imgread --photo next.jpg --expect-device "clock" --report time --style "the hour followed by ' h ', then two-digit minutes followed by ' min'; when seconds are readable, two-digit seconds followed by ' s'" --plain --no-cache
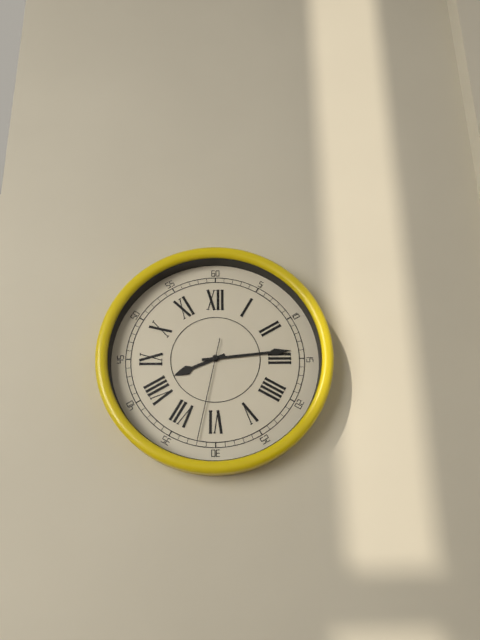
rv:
8 h 14 min 32 s
